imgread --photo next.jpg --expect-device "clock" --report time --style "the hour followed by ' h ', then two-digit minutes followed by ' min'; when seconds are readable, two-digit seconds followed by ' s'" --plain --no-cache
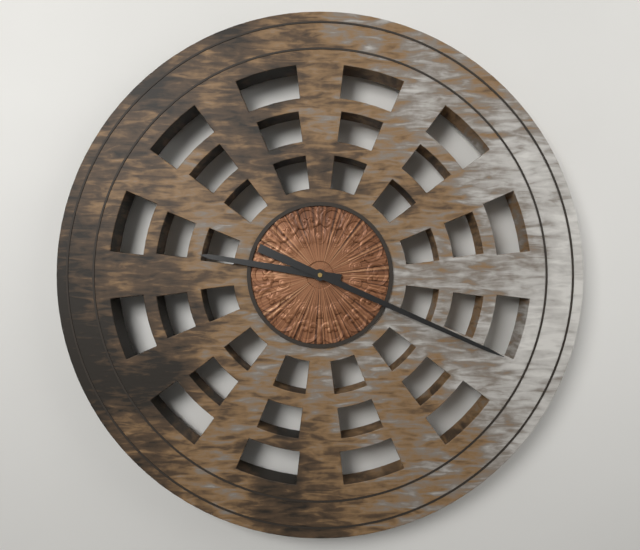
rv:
9 h 19 min
